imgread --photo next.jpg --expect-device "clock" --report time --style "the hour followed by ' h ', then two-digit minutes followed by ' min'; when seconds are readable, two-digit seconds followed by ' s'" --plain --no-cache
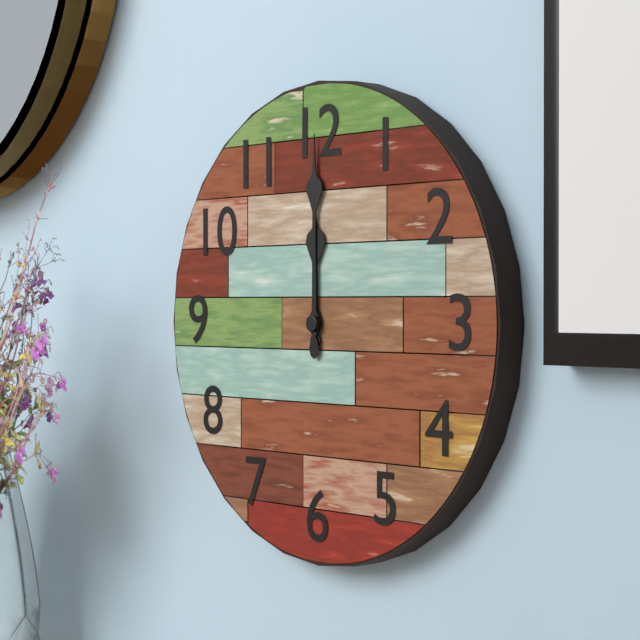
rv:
12 h 00 min
